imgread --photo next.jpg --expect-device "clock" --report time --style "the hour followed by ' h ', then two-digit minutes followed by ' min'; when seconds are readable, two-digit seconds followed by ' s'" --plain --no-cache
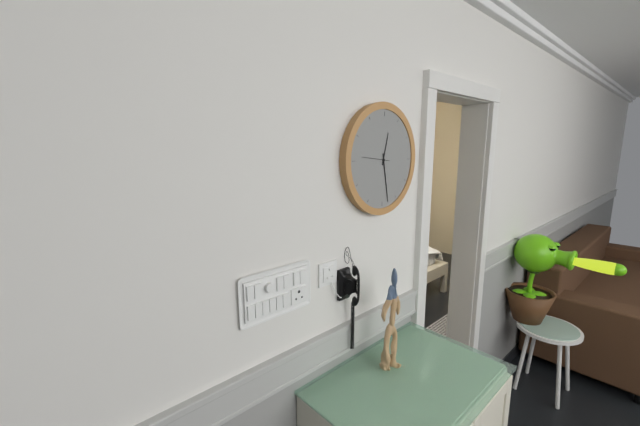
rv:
12 h 28 min
